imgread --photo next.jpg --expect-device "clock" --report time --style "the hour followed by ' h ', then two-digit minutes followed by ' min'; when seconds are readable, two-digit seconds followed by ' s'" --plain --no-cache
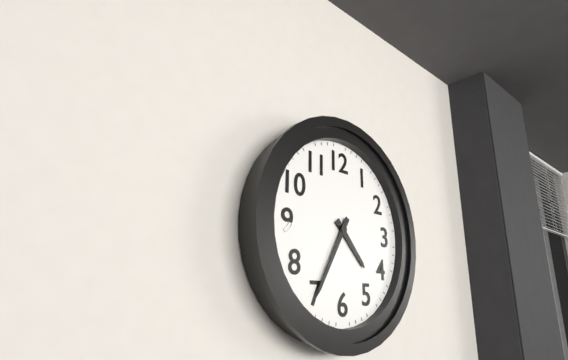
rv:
4 h 35 min
